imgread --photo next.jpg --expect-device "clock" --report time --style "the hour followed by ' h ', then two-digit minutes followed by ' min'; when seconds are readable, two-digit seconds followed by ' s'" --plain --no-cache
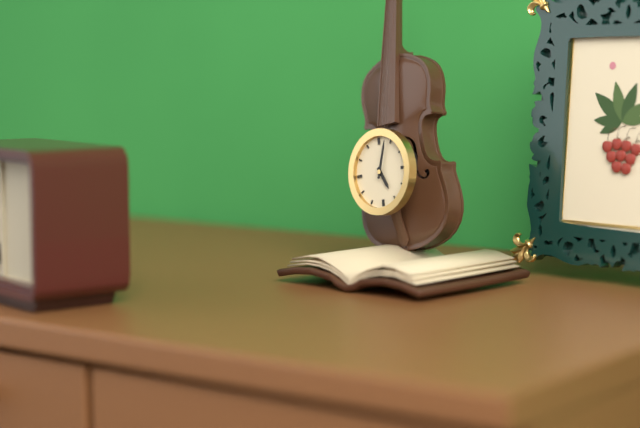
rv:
5 h 03 min
